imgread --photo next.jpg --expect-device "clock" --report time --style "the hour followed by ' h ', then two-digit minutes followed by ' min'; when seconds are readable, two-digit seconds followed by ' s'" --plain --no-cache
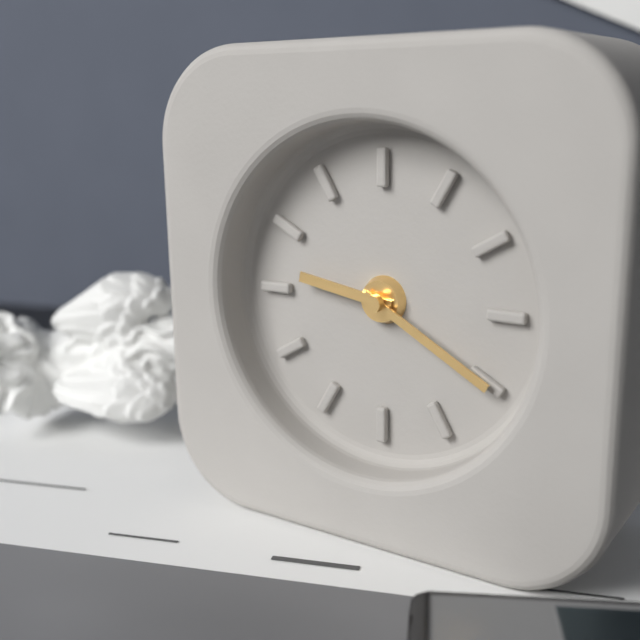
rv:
9 h 20 min
